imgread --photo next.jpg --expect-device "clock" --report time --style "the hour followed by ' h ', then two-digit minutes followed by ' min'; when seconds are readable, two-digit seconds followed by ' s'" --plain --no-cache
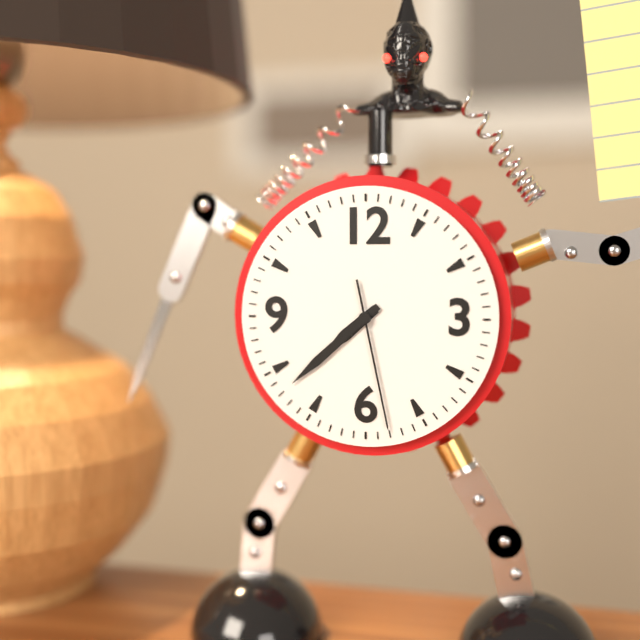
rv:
7 h 38 min 28 s
